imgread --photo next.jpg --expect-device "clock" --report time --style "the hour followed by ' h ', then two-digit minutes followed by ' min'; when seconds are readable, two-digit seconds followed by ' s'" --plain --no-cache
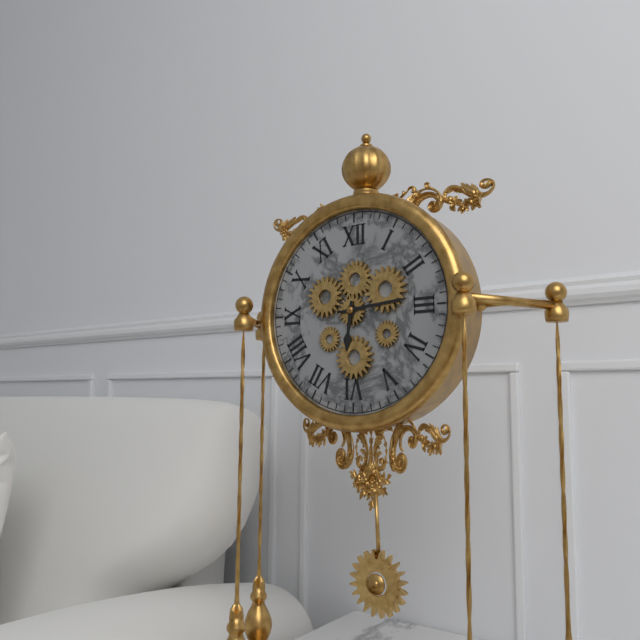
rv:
6 h 14 min
